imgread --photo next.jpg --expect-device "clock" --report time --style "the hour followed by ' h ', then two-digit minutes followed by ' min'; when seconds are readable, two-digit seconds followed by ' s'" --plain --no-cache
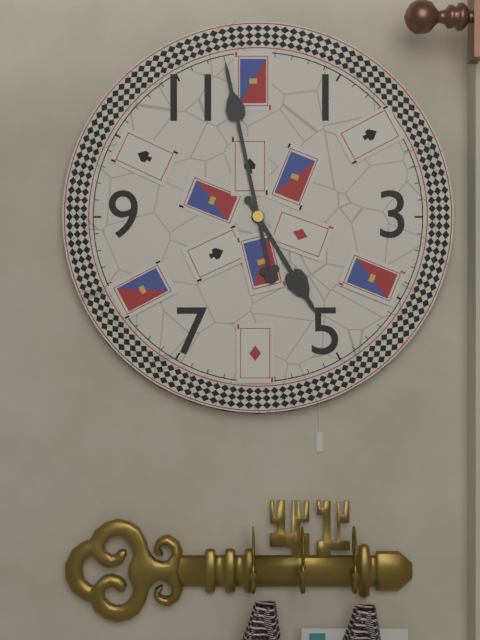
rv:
4 h 58 min
